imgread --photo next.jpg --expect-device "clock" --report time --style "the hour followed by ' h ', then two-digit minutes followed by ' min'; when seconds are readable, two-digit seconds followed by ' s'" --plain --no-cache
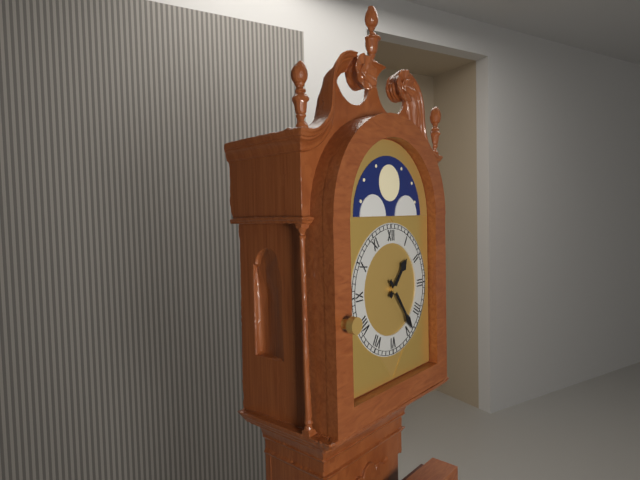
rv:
1 h 24 min
